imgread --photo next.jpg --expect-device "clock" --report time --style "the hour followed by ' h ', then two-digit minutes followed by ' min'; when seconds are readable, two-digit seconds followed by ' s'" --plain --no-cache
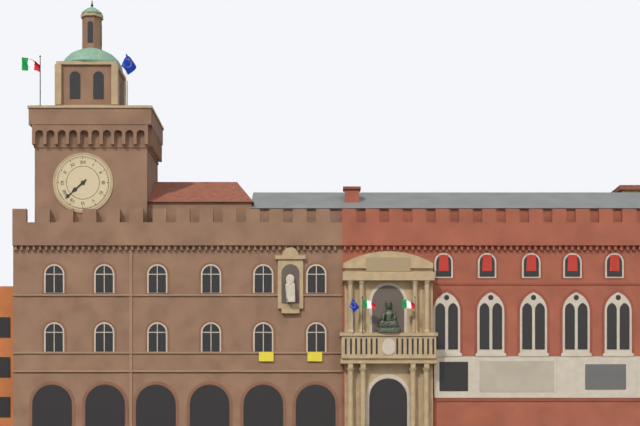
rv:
7 h 38 min
